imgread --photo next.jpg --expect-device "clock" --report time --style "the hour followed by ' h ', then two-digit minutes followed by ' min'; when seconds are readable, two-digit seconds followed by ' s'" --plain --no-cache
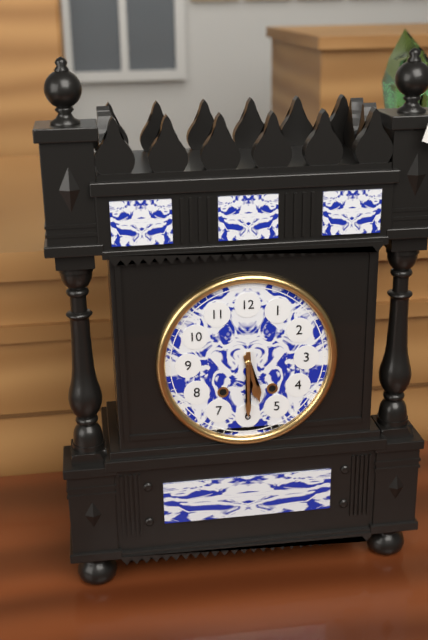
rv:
5 h 30 min
